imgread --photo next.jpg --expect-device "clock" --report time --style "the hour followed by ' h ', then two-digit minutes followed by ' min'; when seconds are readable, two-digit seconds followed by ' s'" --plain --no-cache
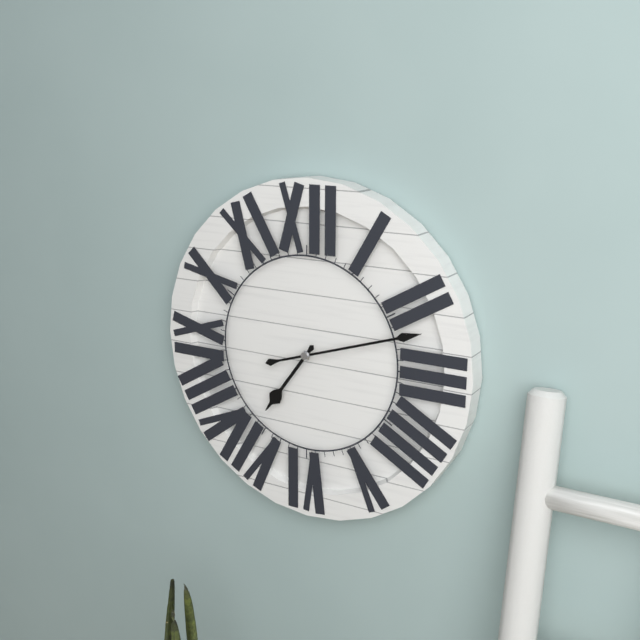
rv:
7 h 12 min
